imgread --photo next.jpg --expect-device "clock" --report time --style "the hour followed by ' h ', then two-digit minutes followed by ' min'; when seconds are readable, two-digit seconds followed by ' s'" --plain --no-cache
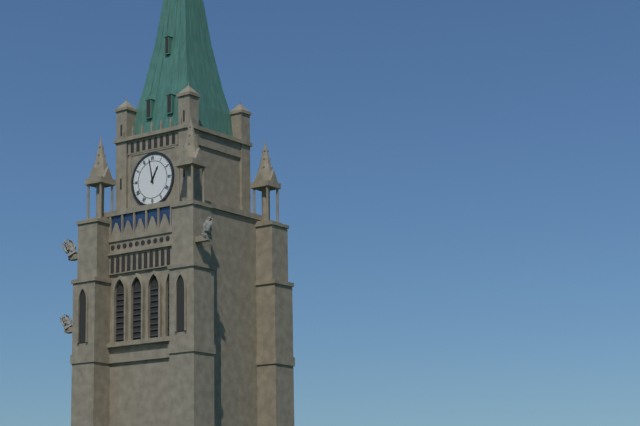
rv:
12 h 58 min
